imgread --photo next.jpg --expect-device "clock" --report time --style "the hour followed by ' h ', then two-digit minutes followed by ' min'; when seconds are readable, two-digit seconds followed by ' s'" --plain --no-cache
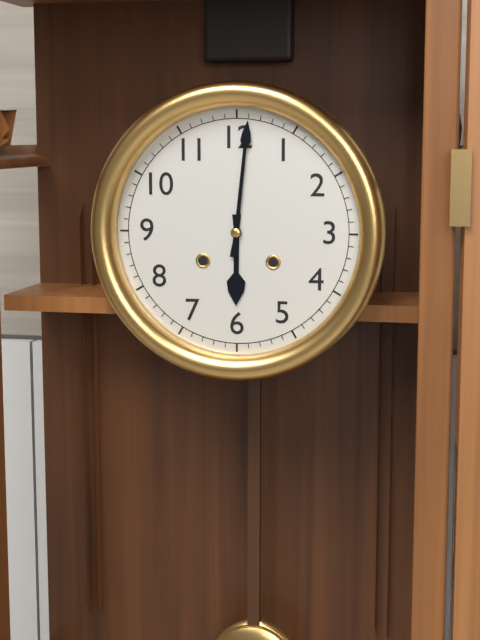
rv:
6 h 01 min
